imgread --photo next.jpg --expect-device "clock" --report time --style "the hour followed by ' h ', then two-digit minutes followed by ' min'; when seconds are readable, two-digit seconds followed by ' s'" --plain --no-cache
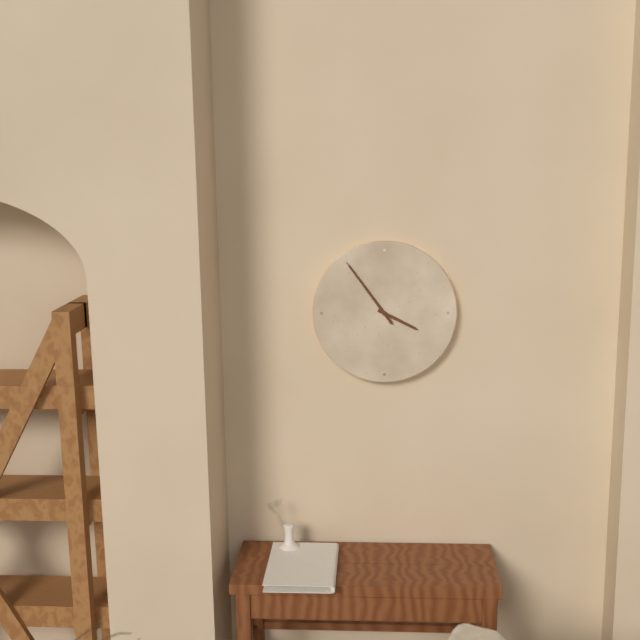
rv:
3 h 54 min 54 s
